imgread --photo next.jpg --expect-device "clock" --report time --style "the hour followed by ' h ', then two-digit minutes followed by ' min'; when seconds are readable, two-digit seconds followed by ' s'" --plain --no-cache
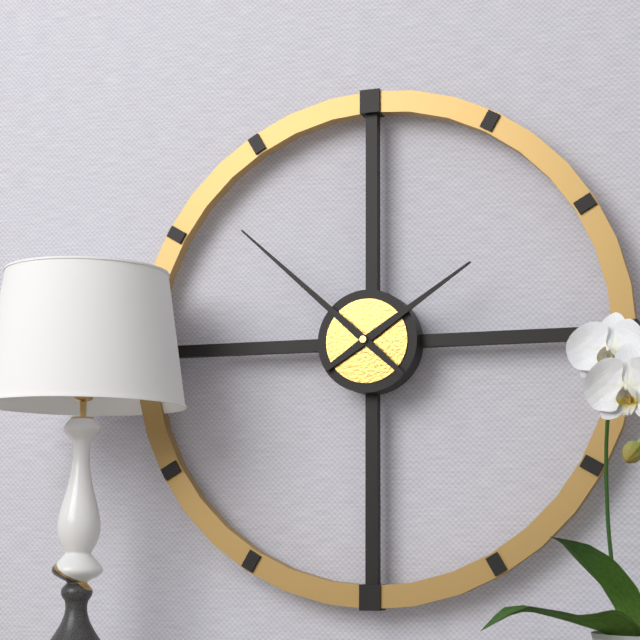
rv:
1 h 52 min
